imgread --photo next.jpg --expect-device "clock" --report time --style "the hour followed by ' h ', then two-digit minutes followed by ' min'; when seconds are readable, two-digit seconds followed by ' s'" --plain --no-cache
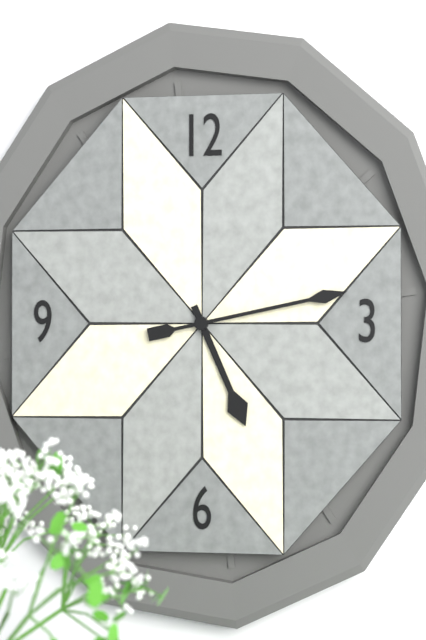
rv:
5 h 13 min
